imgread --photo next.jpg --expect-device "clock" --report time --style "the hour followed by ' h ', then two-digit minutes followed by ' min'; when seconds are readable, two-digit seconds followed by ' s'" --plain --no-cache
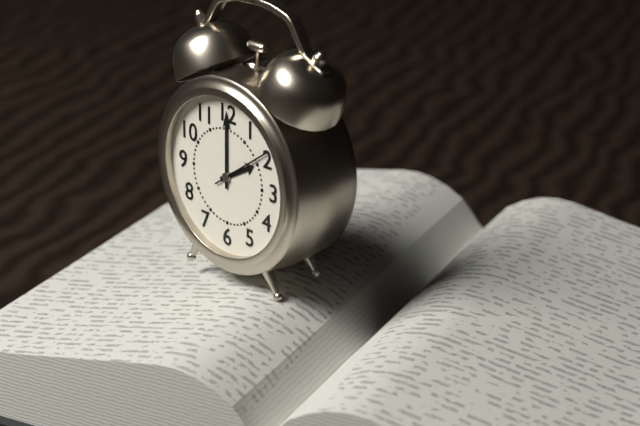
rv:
2 h 00 min 09 s
